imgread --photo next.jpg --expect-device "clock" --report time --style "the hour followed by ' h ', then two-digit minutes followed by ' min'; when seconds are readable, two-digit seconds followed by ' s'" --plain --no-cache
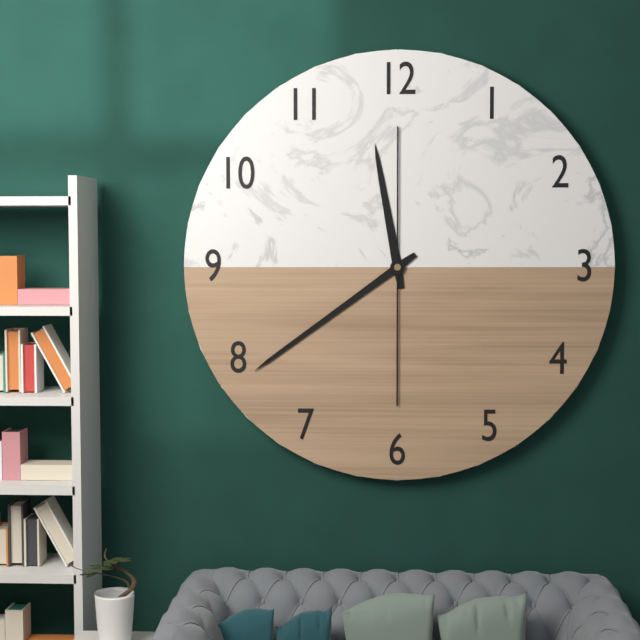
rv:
11 h 39 min
